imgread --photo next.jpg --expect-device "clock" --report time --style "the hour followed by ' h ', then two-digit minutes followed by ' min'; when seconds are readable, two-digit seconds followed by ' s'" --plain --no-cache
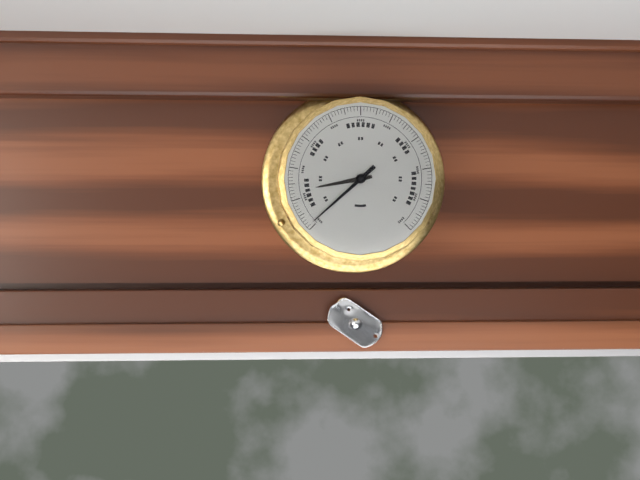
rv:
8 h 38 min
